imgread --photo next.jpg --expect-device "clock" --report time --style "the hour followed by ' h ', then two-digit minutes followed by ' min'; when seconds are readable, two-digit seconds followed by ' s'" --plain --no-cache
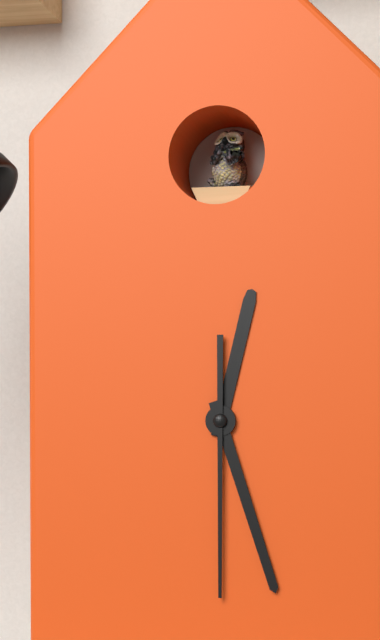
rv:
12 h 27 min 30 s
